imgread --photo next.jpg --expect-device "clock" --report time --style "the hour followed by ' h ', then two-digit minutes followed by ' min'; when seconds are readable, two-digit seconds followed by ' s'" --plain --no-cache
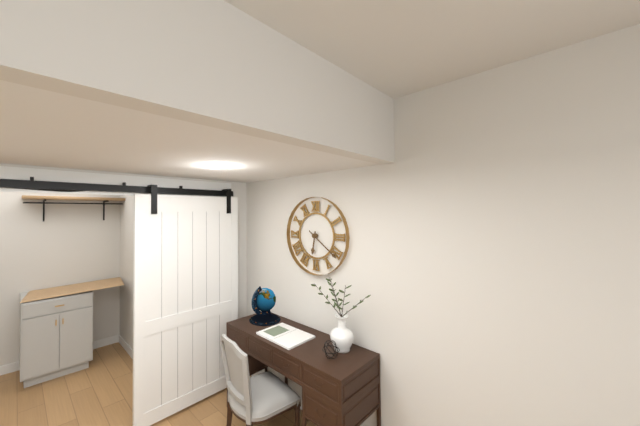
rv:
6 h 21 min
